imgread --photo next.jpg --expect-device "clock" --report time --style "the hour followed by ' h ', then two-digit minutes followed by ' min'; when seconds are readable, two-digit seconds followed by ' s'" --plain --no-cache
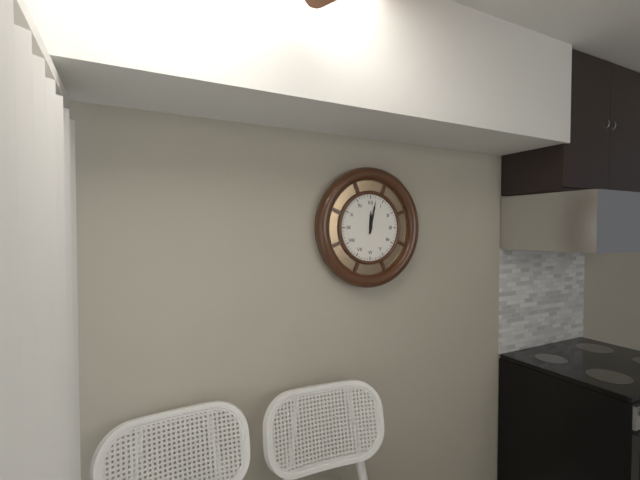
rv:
12 h 02 min
